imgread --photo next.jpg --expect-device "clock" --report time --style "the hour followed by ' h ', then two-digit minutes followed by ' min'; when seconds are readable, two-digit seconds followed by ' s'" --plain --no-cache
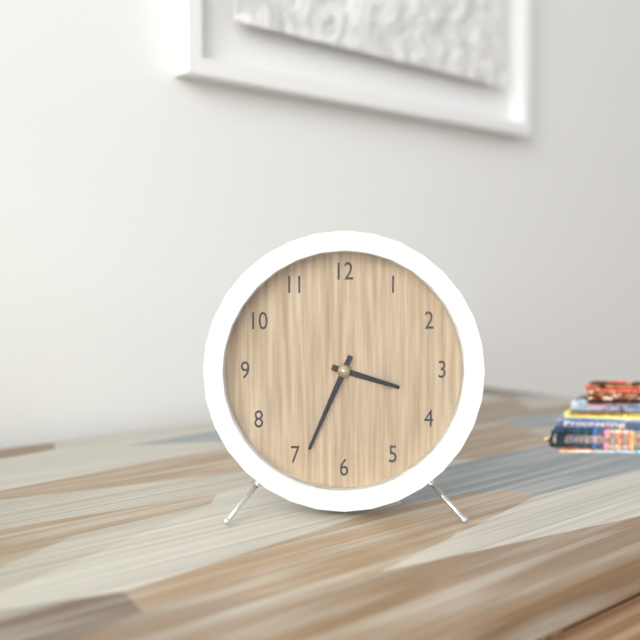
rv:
3 h 34 min
